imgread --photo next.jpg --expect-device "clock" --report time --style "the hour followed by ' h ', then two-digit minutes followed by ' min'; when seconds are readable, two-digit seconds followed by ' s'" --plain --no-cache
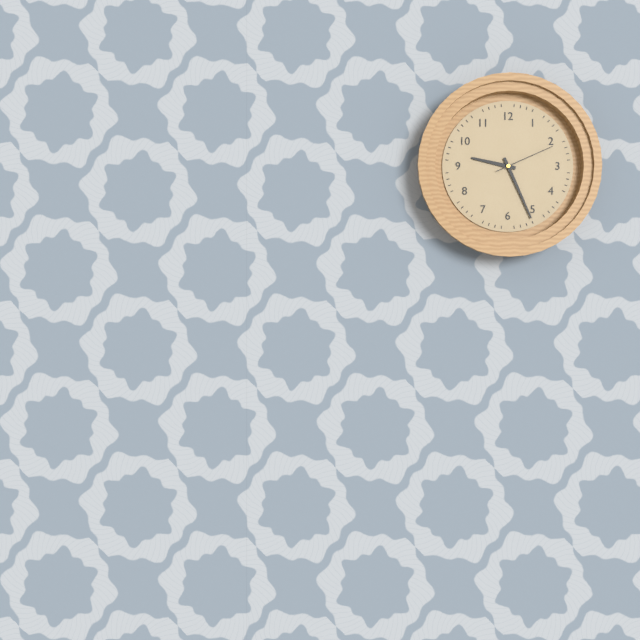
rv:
9 h 26 min 11 s
